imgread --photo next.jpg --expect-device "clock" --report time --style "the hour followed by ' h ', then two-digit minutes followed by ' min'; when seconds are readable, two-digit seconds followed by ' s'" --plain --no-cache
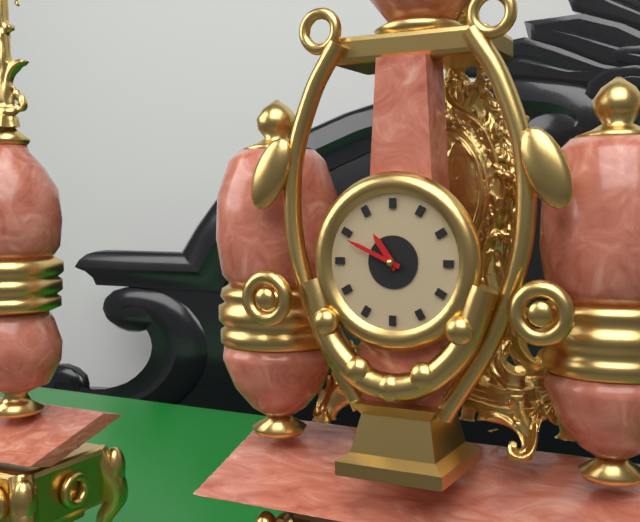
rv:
10 h 49 min
